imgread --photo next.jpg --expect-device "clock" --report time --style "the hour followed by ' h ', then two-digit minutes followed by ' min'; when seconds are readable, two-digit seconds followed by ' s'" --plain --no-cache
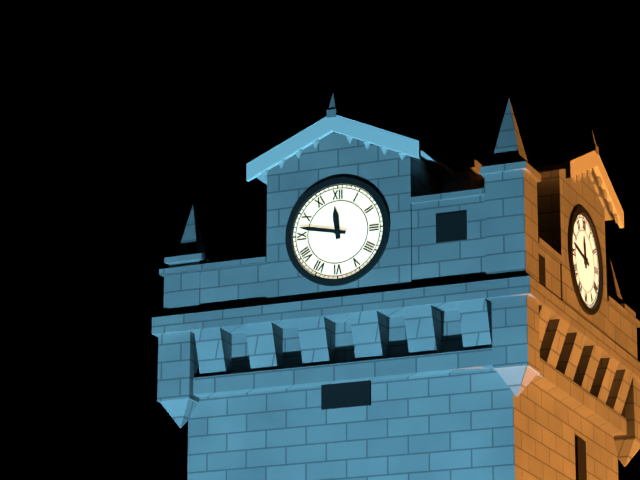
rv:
11 h 47 min
